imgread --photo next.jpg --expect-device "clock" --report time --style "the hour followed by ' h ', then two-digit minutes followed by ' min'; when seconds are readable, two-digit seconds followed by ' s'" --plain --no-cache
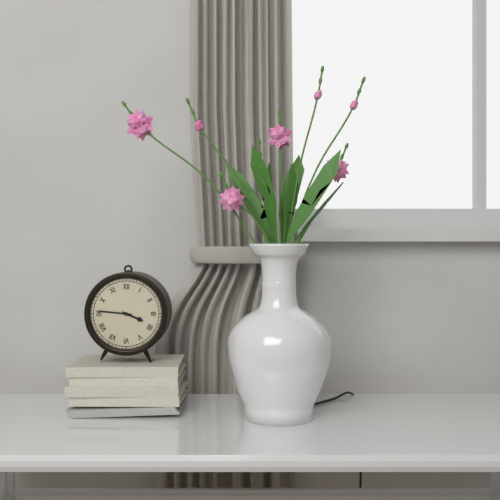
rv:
3 h 46 min
